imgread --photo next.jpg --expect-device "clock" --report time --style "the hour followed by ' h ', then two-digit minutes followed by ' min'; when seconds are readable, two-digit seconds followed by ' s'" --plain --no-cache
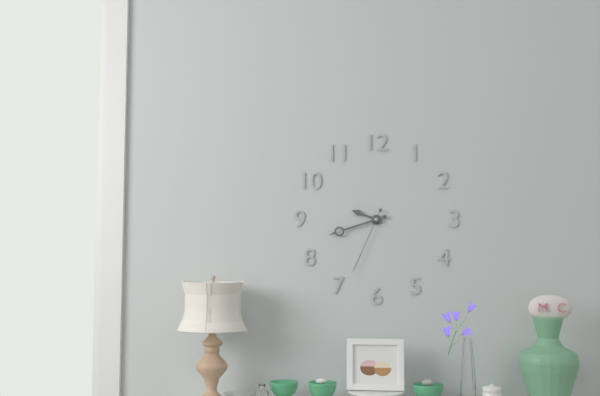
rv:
9 h 42 min 34 s
